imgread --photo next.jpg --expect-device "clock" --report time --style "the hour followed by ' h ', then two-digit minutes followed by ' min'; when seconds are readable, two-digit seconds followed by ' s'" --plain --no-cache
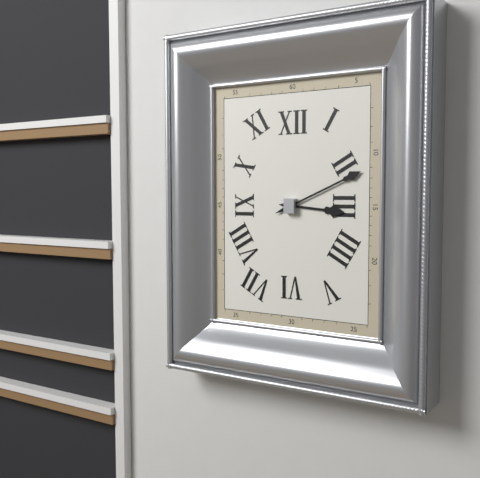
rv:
3 h 11 min
